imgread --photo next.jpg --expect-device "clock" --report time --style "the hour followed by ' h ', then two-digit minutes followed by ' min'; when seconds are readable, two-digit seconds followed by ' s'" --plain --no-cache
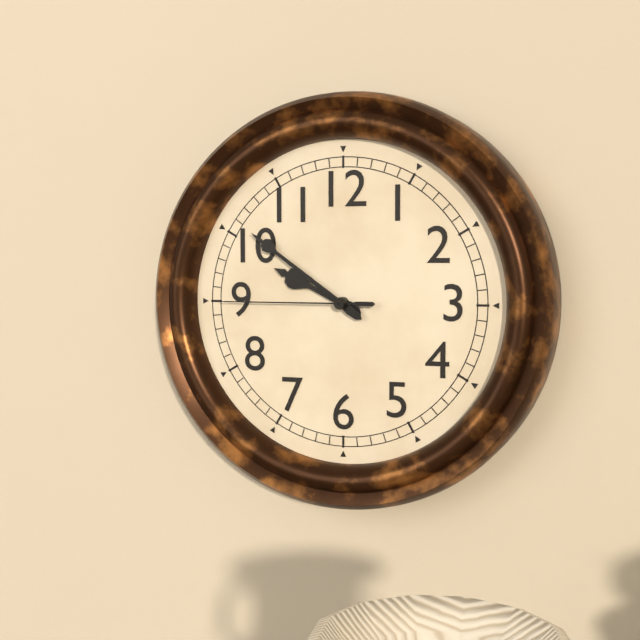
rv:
9 h 51 min 45 s
